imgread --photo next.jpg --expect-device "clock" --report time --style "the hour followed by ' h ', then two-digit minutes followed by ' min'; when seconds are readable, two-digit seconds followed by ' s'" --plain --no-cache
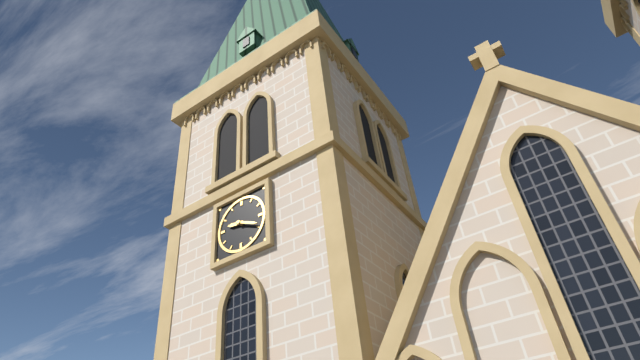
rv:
9 h 19 min
